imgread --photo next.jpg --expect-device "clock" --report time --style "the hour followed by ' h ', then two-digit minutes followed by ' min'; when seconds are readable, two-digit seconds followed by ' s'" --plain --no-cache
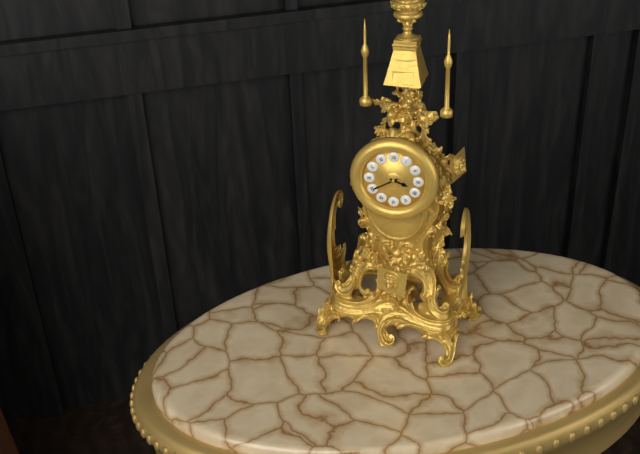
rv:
3 h 40 min
